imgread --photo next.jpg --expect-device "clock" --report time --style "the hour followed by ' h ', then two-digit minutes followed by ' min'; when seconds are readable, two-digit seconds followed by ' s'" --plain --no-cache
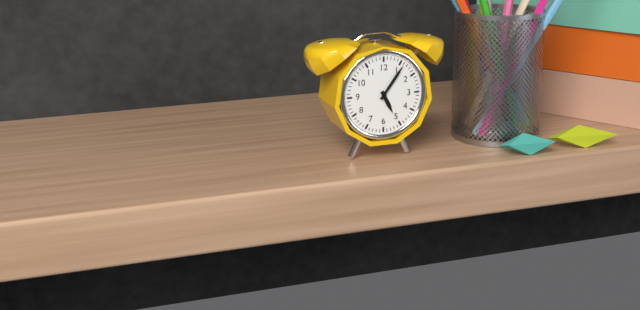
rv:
5 h 06 min
